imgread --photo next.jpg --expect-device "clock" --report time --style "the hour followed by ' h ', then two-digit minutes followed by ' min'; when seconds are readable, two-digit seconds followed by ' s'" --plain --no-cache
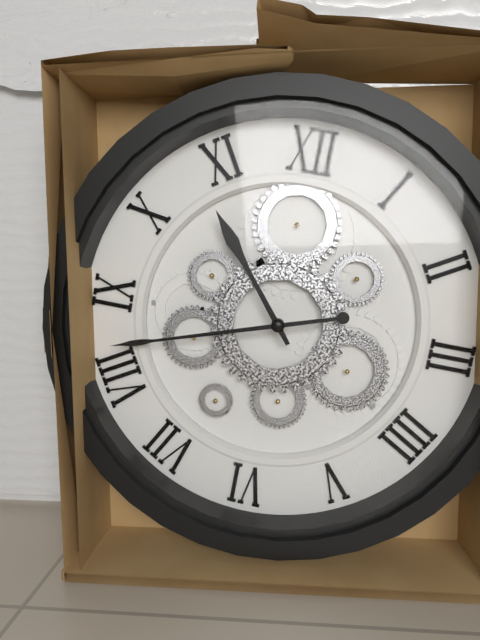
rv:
10 h 42 min
